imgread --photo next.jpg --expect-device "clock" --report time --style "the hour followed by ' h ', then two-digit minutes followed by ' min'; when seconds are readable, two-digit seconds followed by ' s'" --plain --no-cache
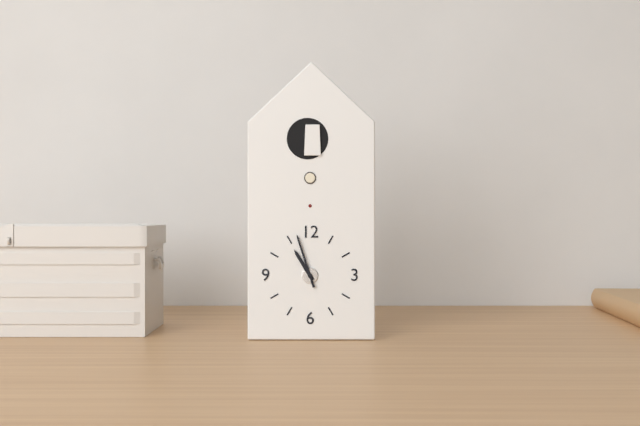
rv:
10 h 57 min
